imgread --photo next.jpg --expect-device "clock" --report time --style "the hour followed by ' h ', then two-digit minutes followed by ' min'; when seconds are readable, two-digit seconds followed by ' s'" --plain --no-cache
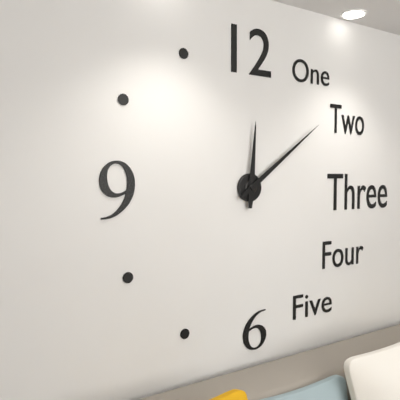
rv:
12 h 09 min
